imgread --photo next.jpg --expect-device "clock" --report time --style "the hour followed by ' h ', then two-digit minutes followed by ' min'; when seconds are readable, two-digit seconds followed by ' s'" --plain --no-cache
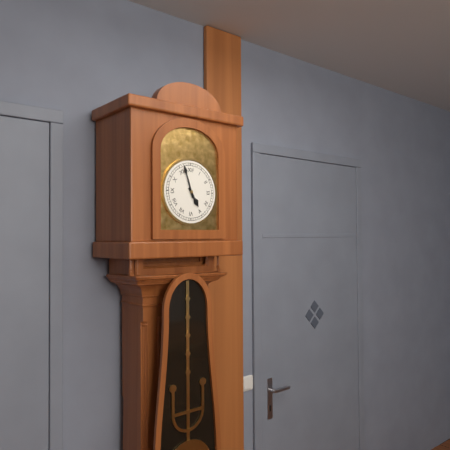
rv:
4 h 57 min
